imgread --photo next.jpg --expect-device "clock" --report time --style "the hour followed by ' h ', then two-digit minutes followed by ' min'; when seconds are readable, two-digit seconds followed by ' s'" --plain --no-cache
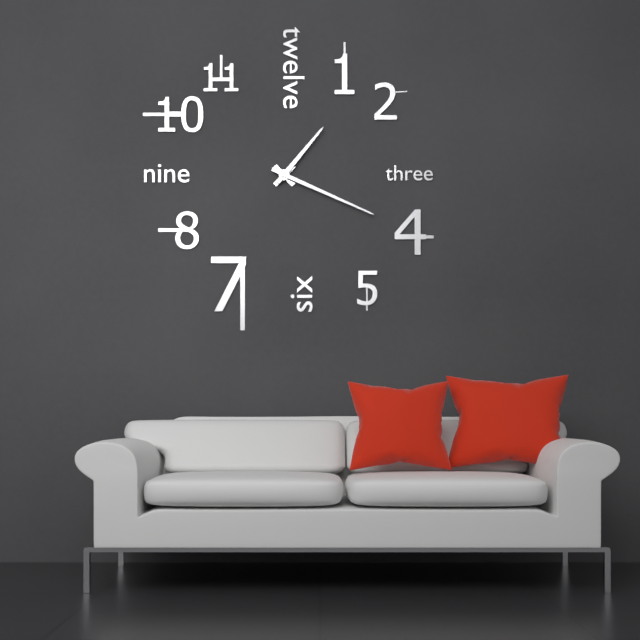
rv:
1 h 19 min
